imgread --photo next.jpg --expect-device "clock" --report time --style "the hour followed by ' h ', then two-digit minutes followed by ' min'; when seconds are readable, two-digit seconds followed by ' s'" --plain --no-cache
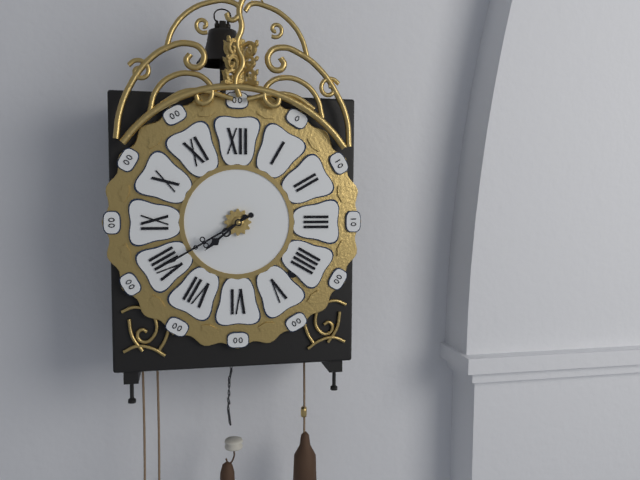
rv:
7 h 40 min
